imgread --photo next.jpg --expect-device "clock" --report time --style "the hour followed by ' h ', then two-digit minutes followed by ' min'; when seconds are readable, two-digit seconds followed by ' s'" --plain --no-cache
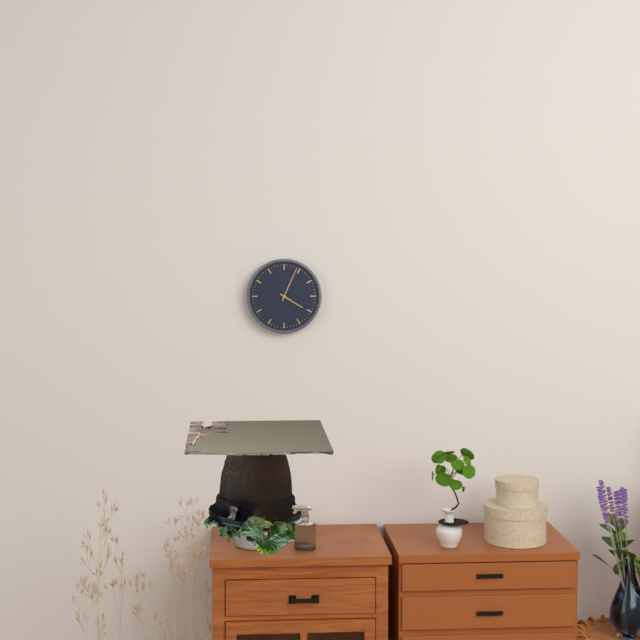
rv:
4 h 04 min
